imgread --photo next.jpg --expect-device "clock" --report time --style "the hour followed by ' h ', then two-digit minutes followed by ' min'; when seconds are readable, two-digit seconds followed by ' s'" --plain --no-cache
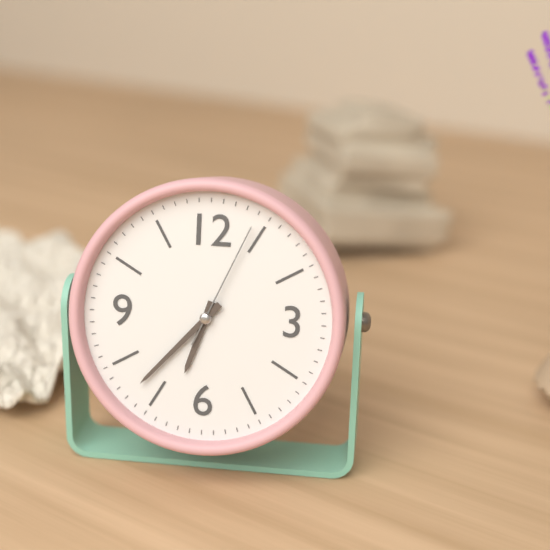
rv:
6 h 37 min 04 s
